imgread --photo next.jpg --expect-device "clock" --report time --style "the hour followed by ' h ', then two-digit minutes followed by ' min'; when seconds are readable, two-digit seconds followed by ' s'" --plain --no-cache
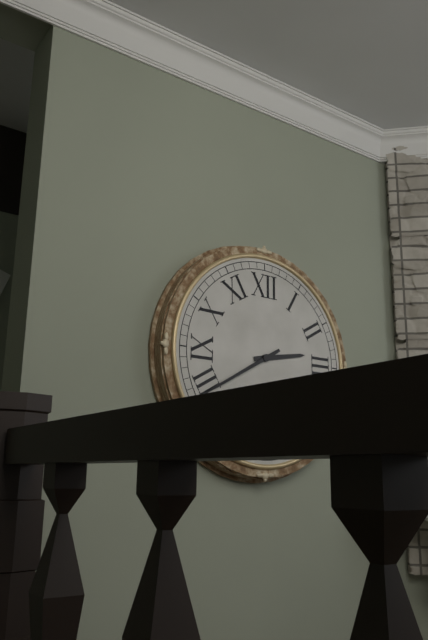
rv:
2 h 40 min
